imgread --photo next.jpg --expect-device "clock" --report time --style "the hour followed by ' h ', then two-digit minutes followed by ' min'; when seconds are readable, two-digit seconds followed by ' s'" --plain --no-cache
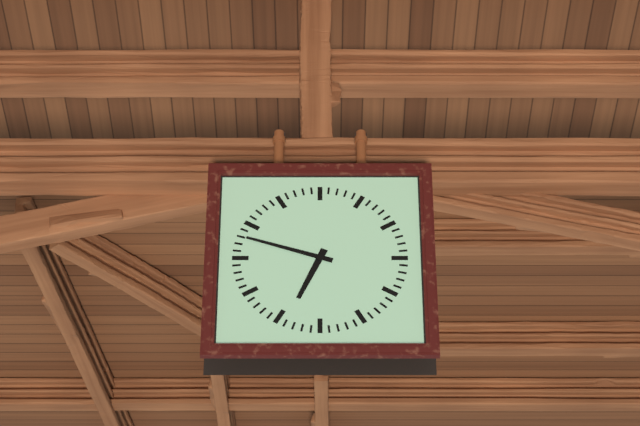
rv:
6 h 48 min
